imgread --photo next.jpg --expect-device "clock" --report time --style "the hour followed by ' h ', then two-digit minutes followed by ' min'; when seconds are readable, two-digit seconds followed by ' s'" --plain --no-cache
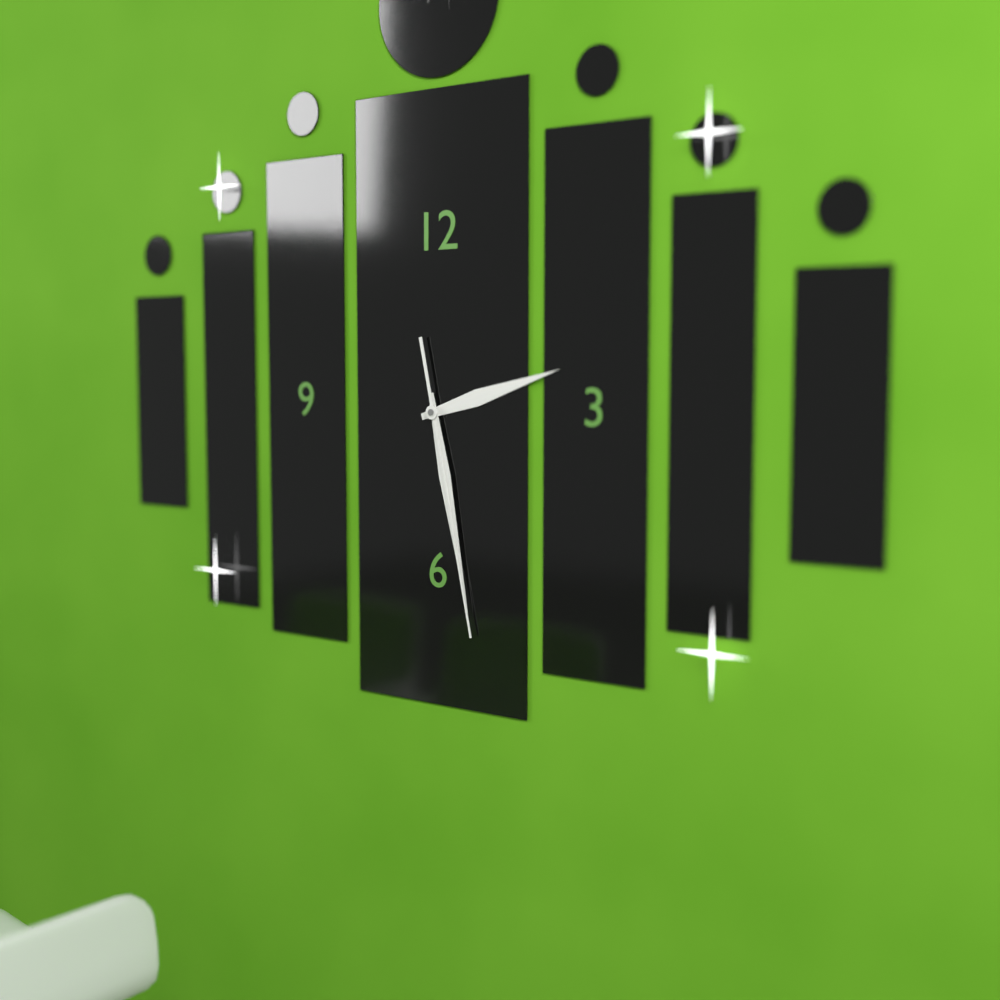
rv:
2 h 28 min 28 s
